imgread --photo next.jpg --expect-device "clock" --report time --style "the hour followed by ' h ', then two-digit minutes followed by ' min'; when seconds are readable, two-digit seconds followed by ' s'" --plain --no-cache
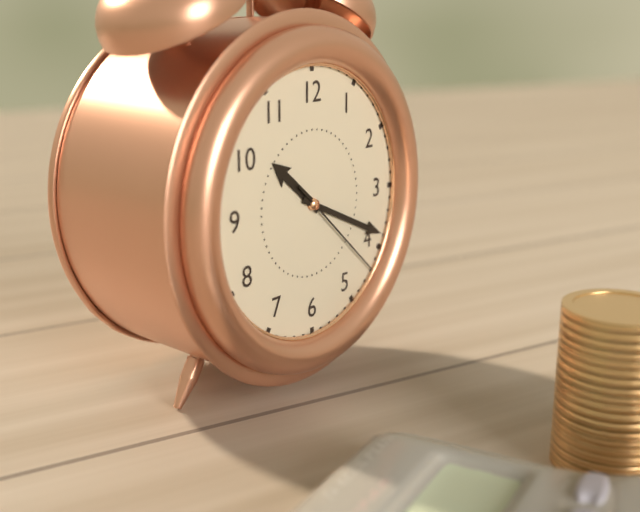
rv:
10 h 19 min 22 s
